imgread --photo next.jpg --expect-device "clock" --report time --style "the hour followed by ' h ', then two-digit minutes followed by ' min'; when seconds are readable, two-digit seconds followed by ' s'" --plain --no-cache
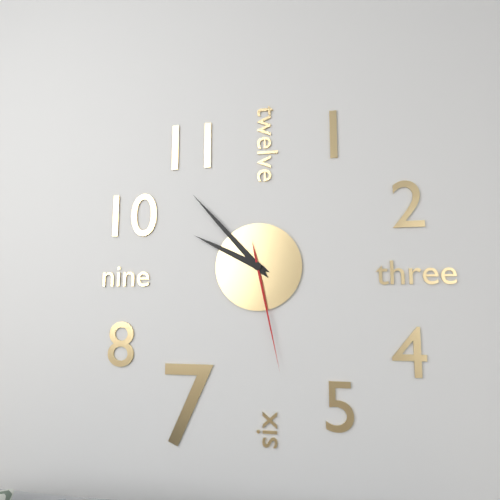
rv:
9 h 53 min 28 s
